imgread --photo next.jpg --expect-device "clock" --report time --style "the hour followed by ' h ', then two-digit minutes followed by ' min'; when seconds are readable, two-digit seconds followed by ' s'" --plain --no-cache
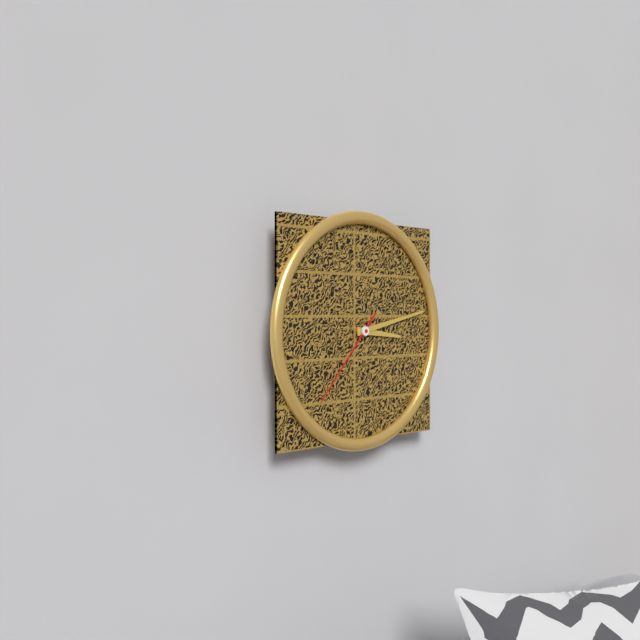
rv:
3 h 13 min 37 s
